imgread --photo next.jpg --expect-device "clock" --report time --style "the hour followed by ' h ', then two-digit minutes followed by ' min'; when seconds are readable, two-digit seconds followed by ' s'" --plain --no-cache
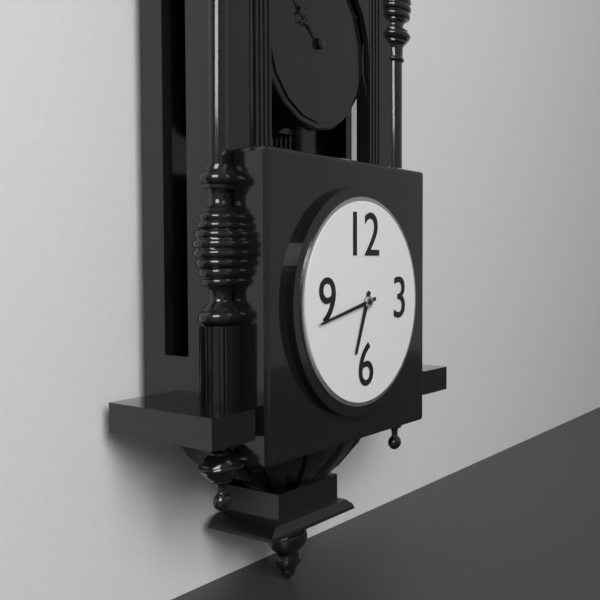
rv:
6 h 43 min
